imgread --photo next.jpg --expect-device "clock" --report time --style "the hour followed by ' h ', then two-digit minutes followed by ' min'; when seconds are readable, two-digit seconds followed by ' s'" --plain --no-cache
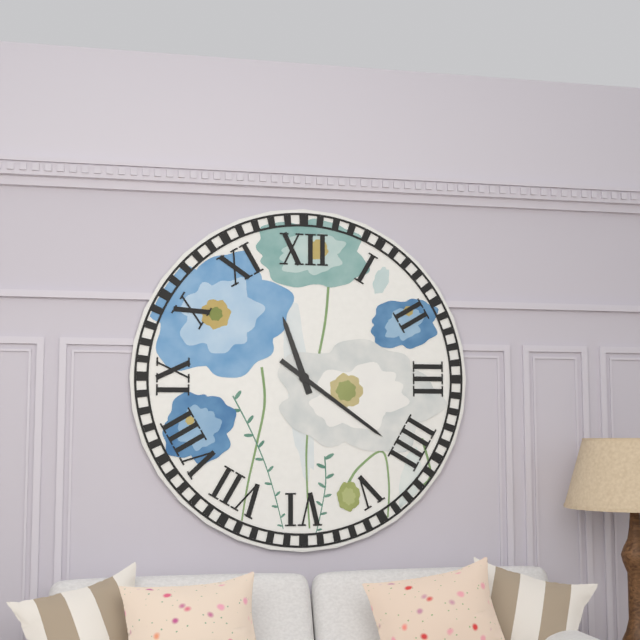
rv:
11 h 21 min
